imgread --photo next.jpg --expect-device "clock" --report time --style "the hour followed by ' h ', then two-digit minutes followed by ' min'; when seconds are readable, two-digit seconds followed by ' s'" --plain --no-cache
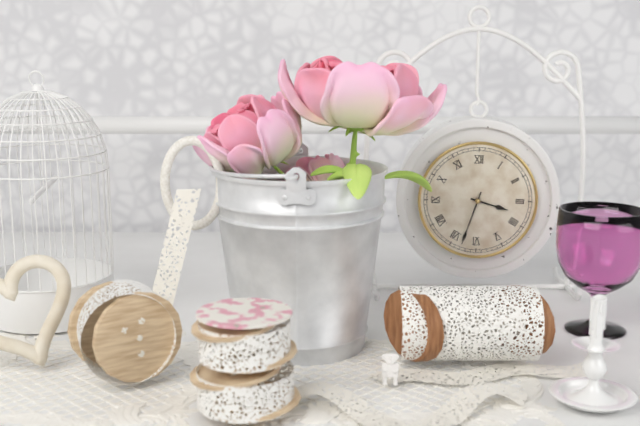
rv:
3 h 33 min
